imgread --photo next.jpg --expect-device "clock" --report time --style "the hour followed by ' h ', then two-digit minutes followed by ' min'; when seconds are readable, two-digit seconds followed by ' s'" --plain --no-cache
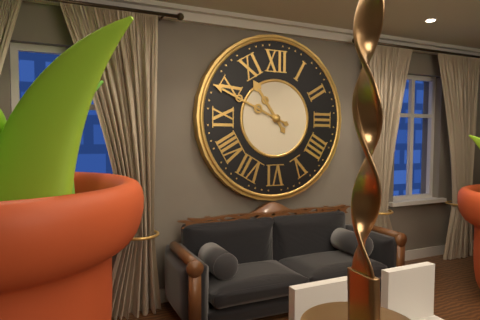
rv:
10 h 49 min
